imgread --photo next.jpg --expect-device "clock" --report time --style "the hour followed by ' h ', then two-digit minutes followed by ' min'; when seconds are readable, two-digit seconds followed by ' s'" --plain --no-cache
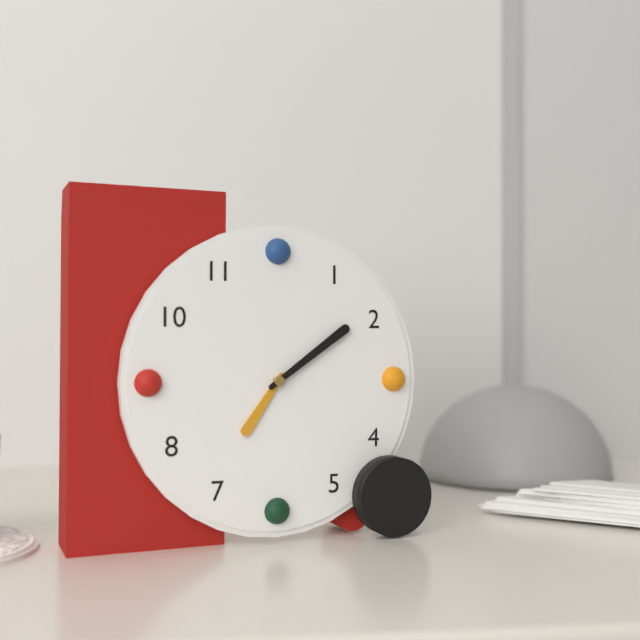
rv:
7 h 09 min
